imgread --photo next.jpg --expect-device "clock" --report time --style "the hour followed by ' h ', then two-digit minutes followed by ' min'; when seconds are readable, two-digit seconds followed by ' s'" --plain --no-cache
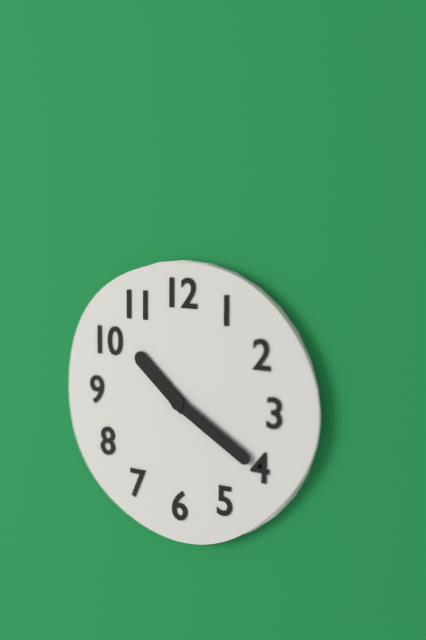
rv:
10 h 20 min
